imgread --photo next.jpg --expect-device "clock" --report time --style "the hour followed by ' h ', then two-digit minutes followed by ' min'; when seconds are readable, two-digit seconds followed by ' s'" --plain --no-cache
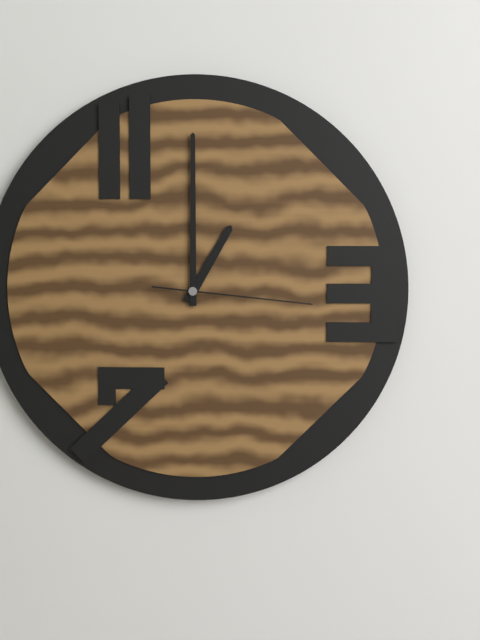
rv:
1 h 00 min 16 s
